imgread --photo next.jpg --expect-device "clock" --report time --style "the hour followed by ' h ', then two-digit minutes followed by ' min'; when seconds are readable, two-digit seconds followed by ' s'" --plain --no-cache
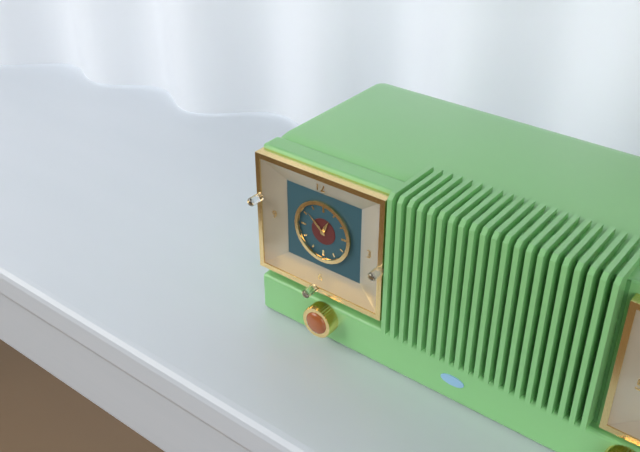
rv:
12 h 52 min
